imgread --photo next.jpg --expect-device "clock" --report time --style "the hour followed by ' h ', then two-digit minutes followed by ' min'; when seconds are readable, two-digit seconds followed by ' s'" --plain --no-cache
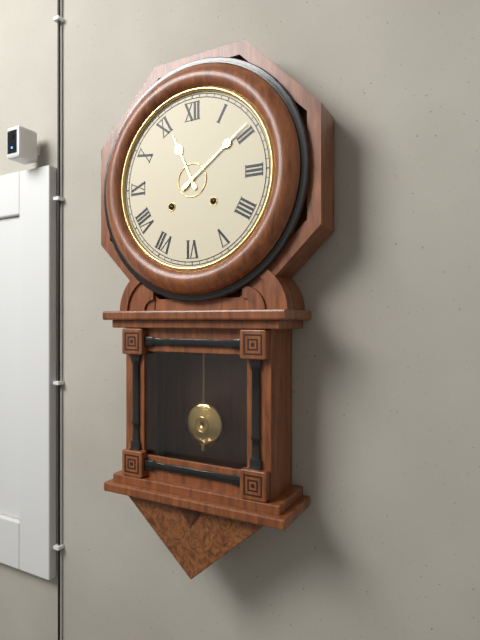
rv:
11 h 09 min
